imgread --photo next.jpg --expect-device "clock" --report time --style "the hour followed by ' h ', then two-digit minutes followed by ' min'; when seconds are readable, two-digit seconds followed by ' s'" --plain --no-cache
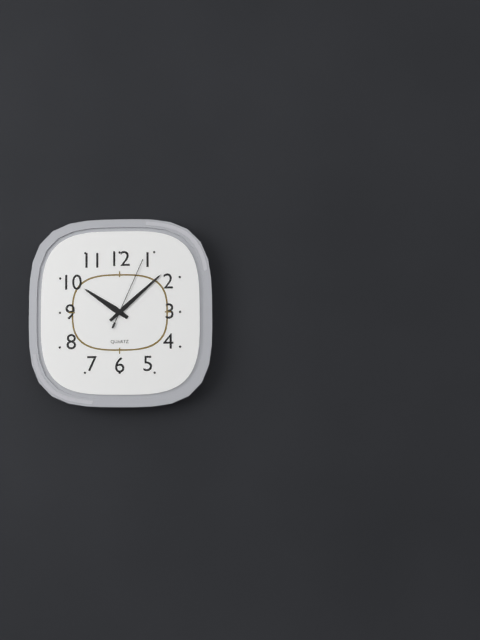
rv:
10 h 08 min 04 s
